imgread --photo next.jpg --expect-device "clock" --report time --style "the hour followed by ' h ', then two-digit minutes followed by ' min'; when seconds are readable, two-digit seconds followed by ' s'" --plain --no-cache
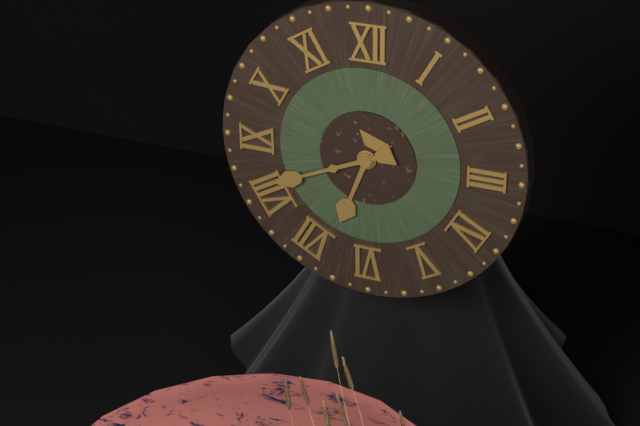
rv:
6 h 41 min
